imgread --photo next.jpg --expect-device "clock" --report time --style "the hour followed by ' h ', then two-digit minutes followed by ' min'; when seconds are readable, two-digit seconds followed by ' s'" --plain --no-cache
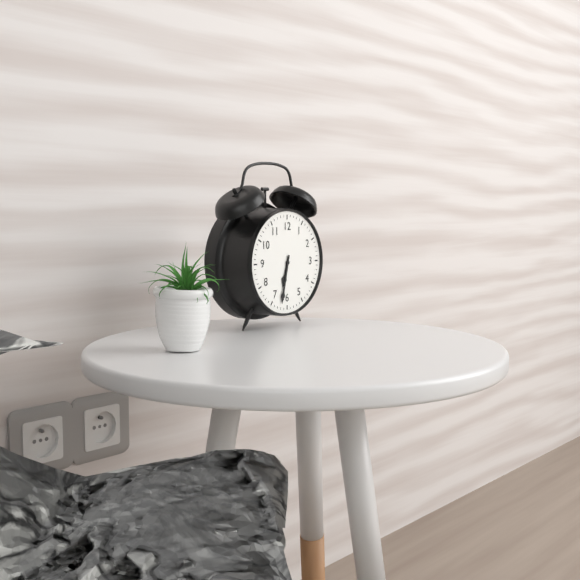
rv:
6 h 32 min
